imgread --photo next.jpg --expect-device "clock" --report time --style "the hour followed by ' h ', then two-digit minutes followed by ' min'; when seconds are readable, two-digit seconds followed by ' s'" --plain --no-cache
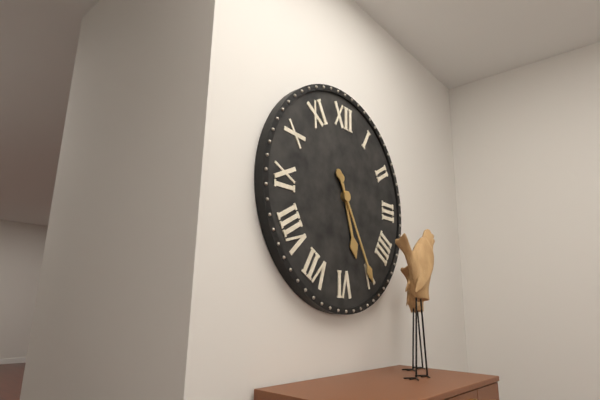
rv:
5 h 25 min
